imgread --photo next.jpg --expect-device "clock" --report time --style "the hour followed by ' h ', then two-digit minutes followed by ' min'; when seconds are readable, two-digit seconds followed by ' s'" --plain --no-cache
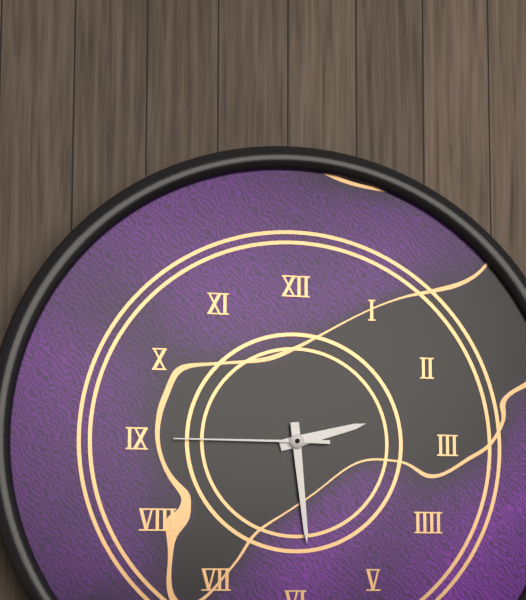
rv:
2 h 29 min 45 s
